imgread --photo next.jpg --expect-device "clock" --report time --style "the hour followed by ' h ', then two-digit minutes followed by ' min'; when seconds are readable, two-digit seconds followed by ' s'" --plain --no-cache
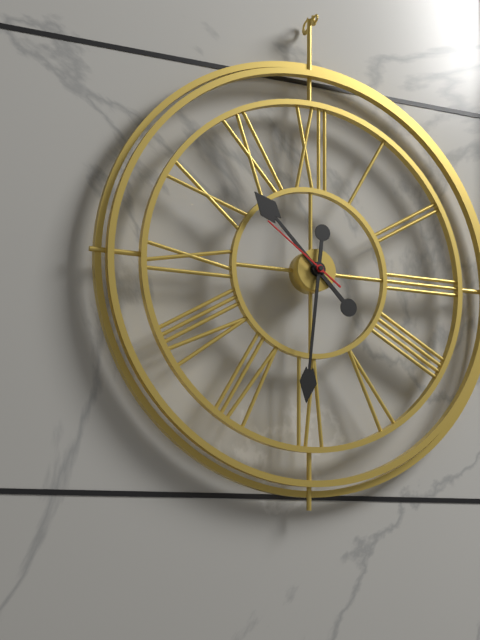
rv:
10 h 31 min 51 s
